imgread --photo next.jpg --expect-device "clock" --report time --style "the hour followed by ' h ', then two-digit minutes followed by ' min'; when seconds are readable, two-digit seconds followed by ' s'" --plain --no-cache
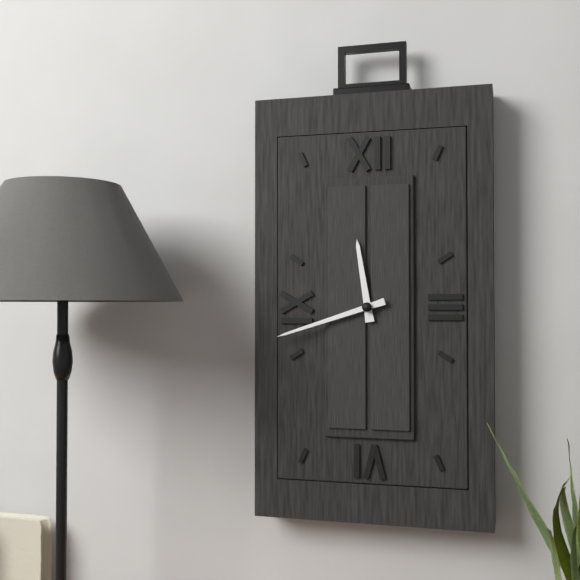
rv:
11 h 42 min
